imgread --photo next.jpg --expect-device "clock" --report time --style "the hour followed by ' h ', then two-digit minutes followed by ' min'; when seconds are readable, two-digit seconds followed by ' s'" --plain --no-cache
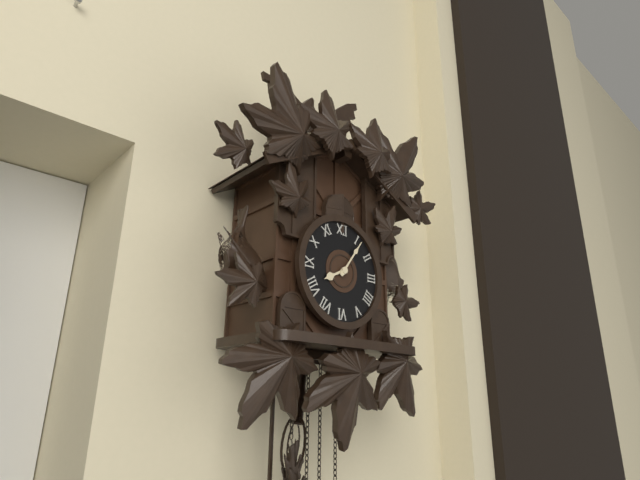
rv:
8 h 06 min
